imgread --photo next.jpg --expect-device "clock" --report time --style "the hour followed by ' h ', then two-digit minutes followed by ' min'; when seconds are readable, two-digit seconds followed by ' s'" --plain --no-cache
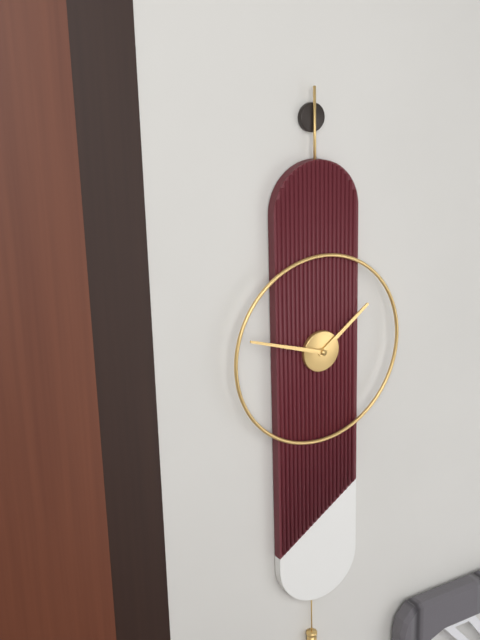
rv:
1 h 48 min
